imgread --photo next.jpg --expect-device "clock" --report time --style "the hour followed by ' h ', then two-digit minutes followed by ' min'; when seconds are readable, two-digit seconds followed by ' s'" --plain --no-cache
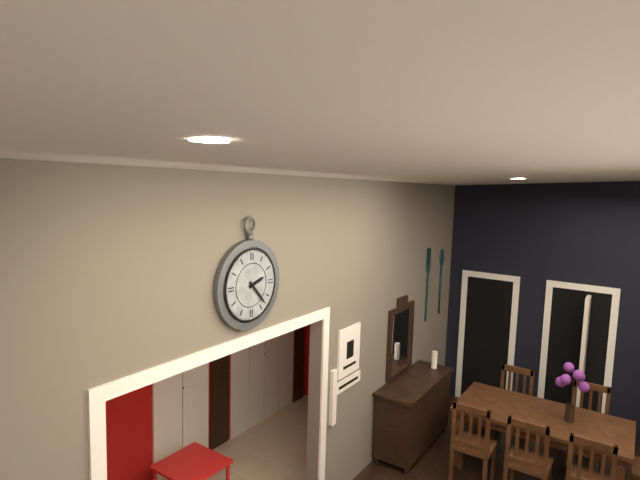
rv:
2 h 23 min
